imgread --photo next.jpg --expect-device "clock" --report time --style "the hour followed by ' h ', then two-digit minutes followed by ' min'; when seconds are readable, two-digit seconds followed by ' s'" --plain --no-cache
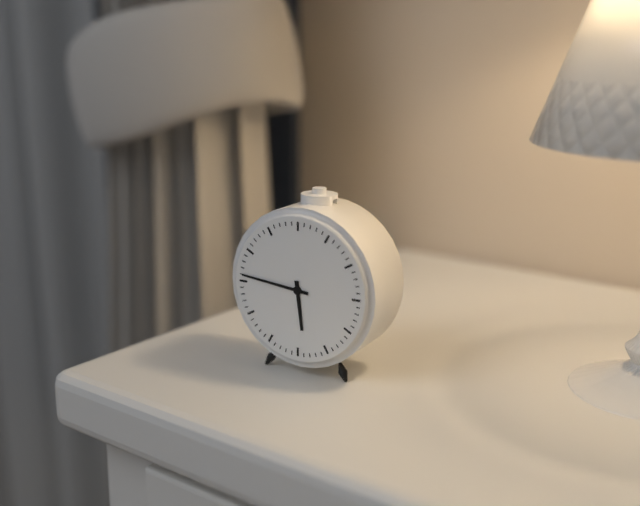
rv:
5 h 46 min
